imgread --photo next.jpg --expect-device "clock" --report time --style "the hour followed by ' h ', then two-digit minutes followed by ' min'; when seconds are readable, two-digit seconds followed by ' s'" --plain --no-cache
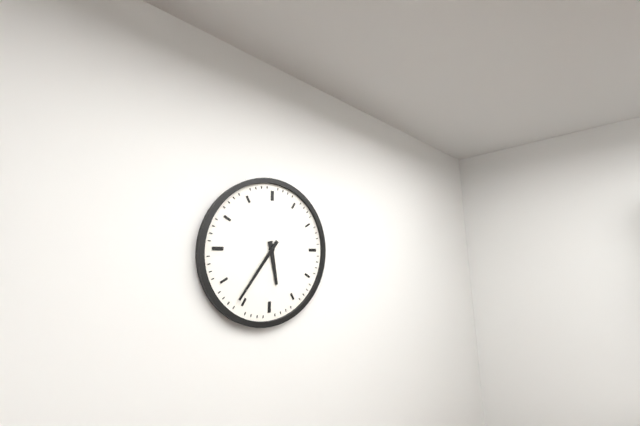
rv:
5 h 36 min
